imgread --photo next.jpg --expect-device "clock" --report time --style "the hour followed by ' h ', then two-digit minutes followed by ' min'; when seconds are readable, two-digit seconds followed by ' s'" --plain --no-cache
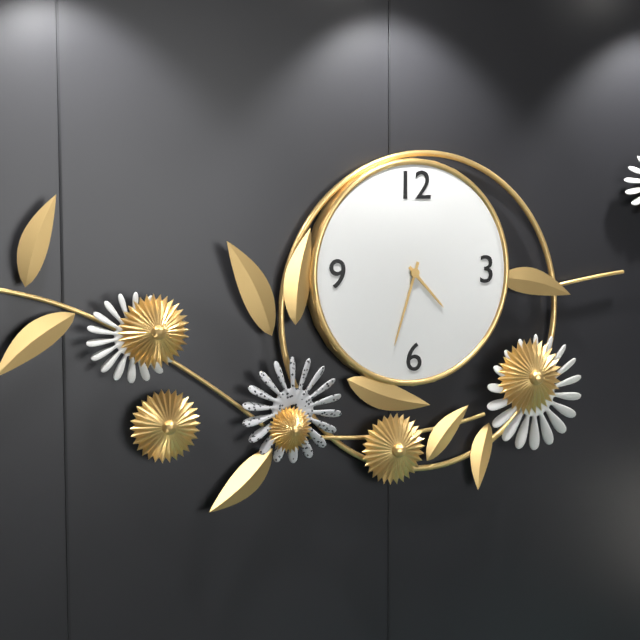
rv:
4 h 33 min
